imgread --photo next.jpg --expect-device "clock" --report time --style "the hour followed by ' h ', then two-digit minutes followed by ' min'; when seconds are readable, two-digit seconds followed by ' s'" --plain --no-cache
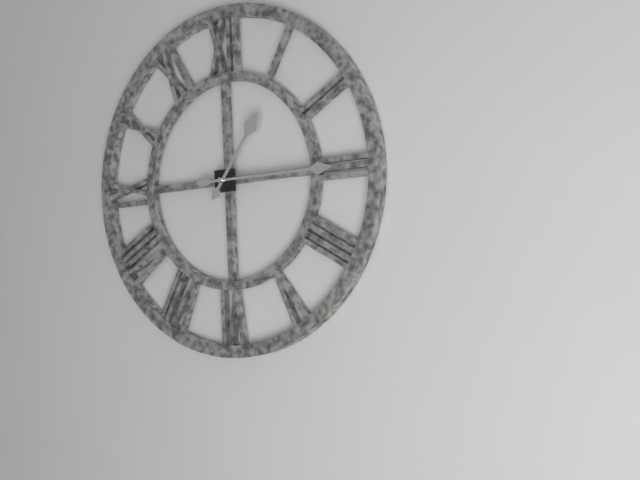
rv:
1 h 15 min
